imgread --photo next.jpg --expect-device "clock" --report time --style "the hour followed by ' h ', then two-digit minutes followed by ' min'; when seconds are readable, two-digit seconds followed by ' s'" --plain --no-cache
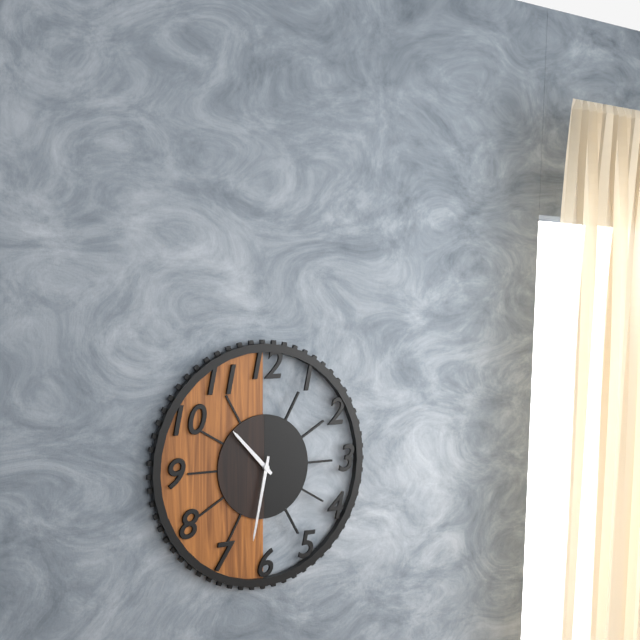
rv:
10 h 32 min
